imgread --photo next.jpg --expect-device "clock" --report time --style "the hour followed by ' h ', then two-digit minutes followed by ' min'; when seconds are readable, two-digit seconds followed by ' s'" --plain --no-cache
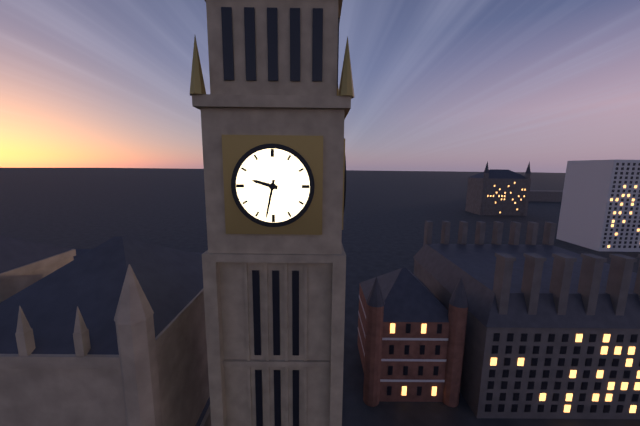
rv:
9 h 32 min
